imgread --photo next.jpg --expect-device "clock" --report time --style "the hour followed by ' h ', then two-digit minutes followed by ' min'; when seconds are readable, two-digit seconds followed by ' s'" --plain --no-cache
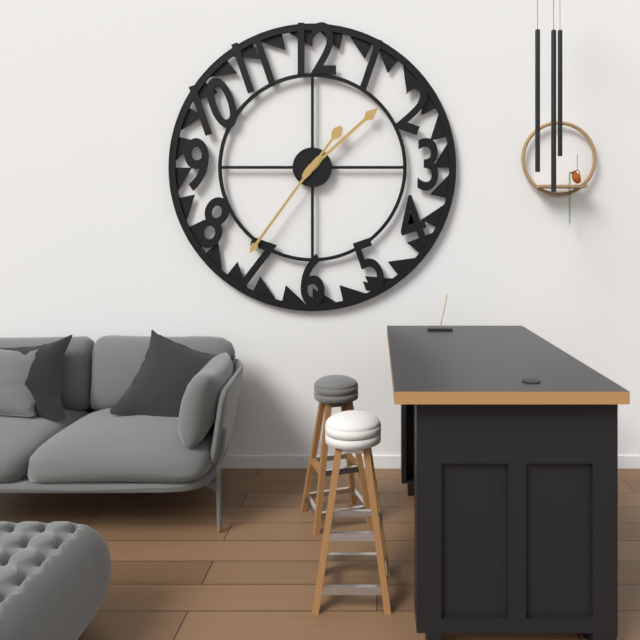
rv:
1 h 36 min
